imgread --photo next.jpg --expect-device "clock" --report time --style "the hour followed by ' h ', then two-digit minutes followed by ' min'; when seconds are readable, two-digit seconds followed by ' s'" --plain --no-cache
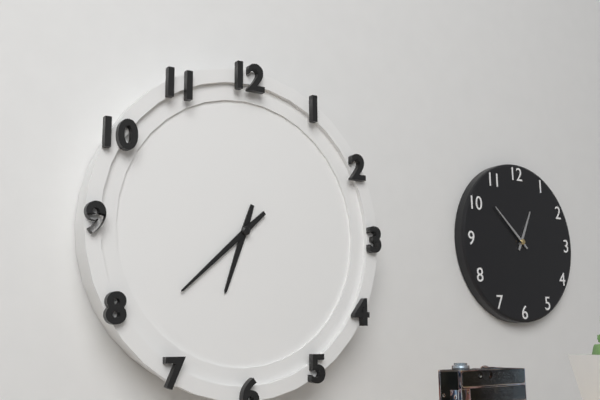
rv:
6 h 38 min
